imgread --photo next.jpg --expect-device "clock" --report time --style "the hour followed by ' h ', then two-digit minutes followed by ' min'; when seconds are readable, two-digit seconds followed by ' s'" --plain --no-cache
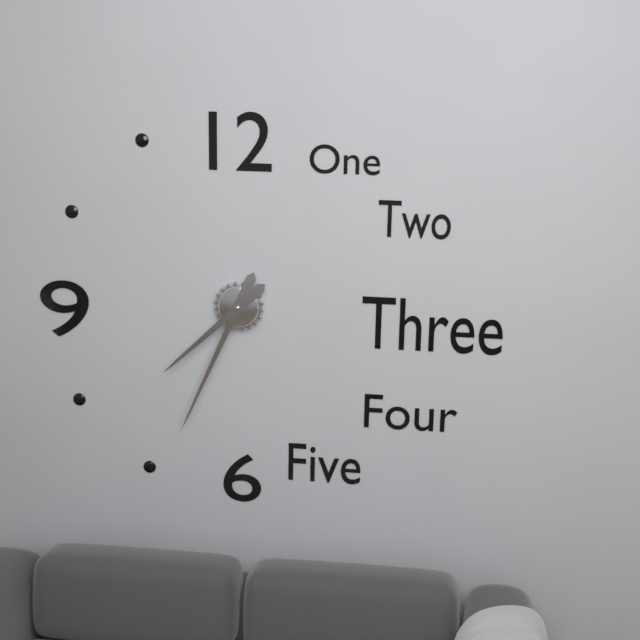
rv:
7 h 34 min
